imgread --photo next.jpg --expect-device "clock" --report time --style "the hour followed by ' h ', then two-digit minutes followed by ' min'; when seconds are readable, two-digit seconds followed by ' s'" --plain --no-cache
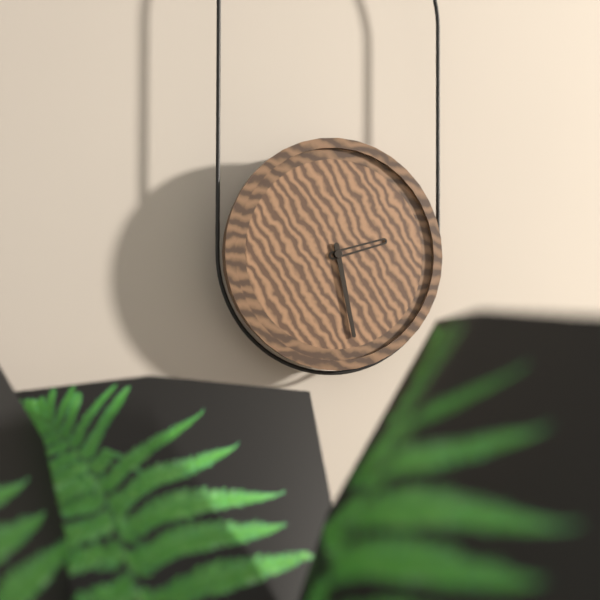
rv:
2 h 28 min
